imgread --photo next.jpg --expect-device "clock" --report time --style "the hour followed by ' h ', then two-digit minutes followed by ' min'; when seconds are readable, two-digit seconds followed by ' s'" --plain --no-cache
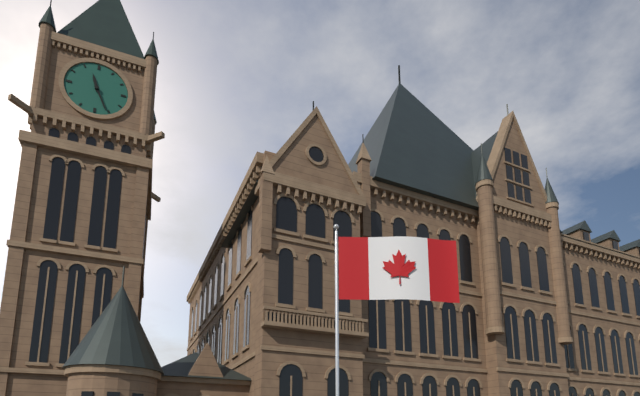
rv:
11 h 26 min
